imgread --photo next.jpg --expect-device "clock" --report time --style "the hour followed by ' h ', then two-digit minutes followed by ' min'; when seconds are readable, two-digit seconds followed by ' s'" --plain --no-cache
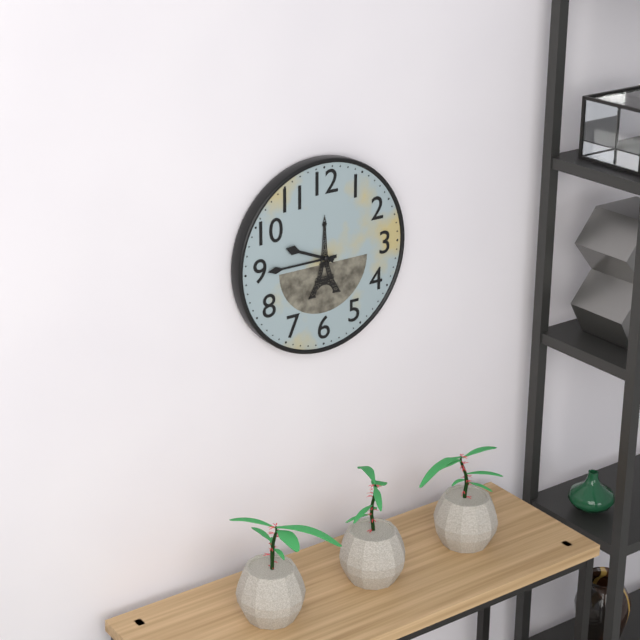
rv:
9 h 45 min
